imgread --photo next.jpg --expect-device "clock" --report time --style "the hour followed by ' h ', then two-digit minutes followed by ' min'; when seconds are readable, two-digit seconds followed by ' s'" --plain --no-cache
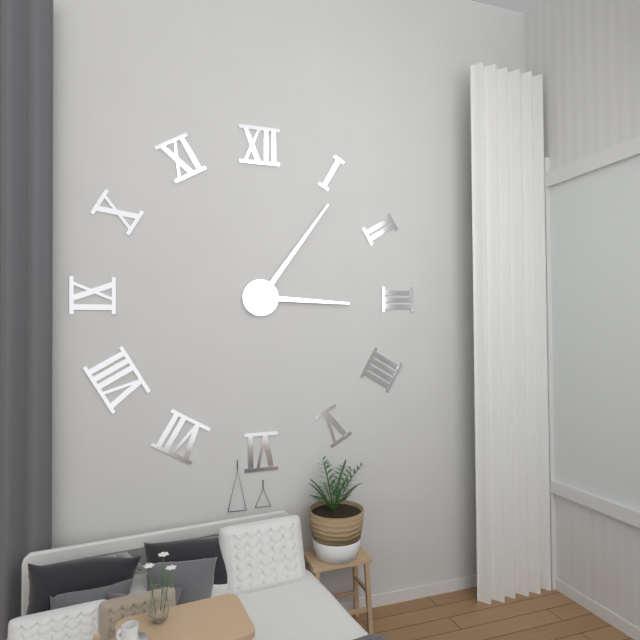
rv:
3 h 06 min
